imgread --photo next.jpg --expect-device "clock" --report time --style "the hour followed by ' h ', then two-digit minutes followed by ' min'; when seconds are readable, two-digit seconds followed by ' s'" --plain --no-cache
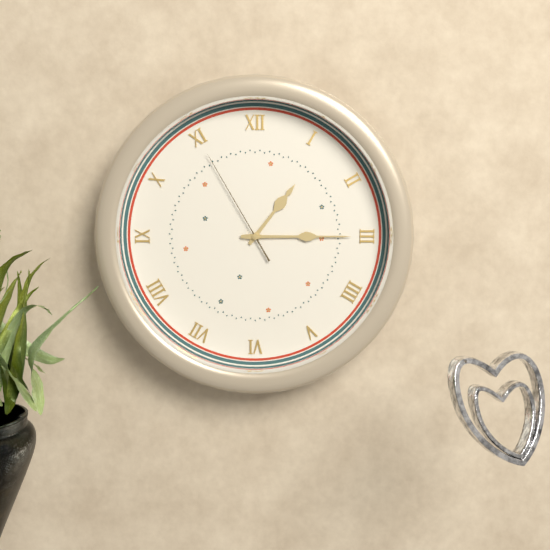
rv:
1 h 15 min 55 s
